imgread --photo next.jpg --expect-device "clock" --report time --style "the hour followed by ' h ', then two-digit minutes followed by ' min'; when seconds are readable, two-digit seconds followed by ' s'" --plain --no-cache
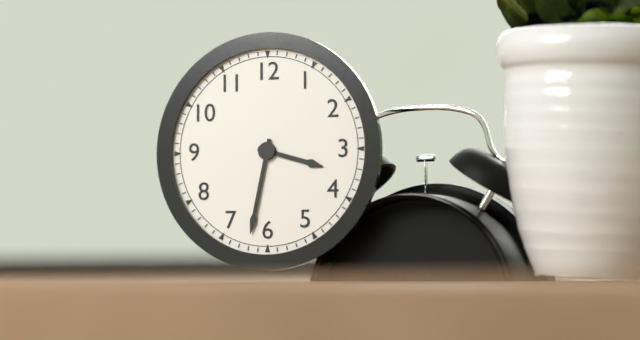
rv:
3 h 32 min
